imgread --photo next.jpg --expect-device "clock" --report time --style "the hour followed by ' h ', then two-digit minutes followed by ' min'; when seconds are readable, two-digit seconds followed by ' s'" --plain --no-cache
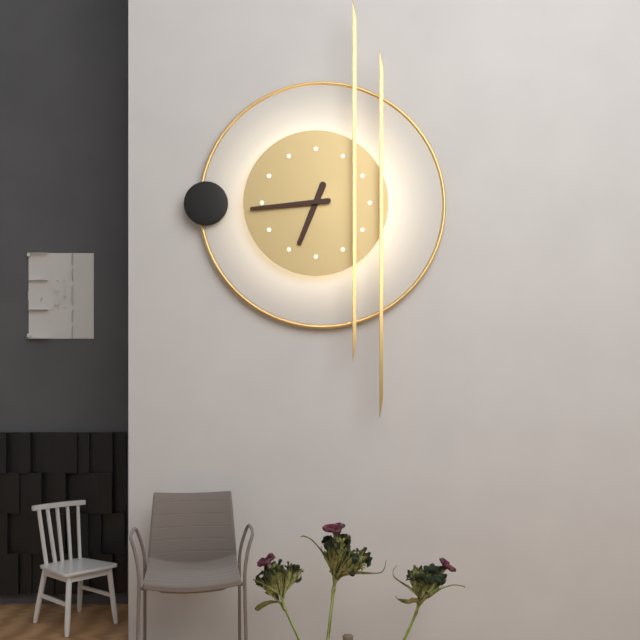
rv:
6 h 44 min
